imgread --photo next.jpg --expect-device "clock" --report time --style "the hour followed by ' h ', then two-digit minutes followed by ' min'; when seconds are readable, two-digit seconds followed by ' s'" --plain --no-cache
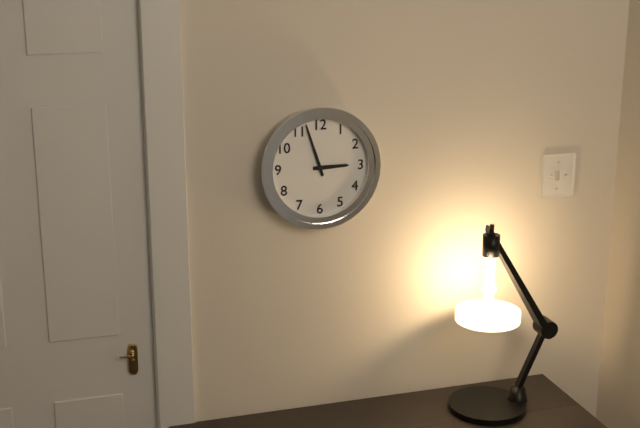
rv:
2 h 57 min
